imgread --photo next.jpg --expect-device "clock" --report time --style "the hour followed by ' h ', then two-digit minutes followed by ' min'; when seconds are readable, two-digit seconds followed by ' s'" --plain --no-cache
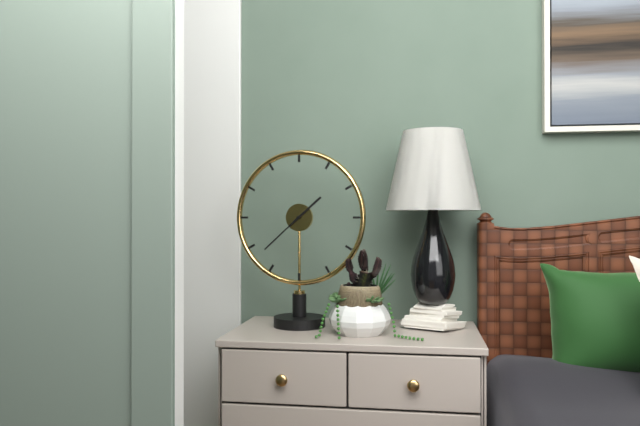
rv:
1 h 38 min
